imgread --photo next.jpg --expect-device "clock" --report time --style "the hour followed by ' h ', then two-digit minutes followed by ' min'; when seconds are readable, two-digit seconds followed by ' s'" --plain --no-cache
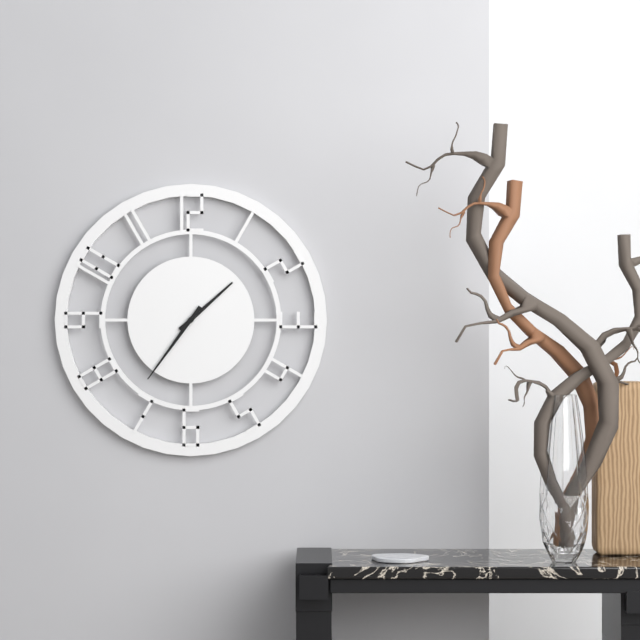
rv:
1 h 36 min
